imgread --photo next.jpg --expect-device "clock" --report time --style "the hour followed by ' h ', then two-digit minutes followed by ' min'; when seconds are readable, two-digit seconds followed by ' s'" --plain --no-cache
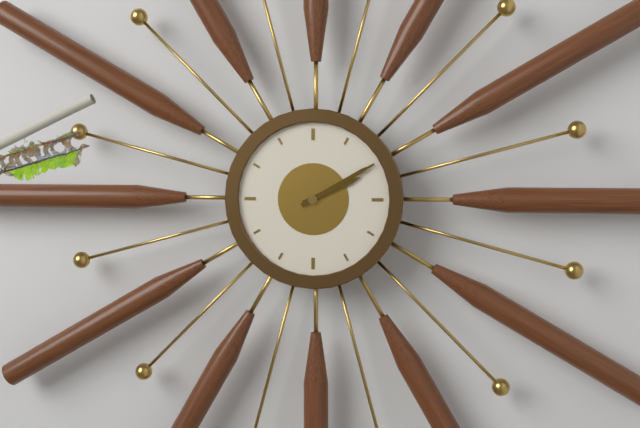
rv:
2 h 10 min
